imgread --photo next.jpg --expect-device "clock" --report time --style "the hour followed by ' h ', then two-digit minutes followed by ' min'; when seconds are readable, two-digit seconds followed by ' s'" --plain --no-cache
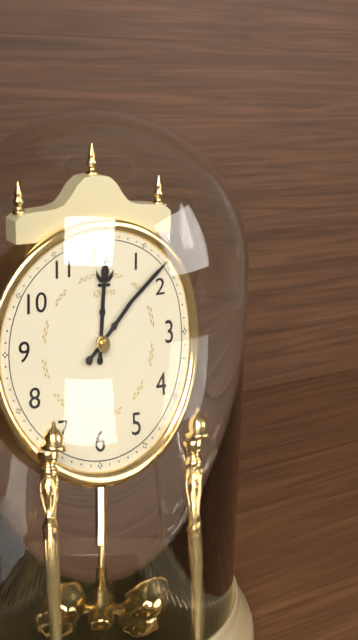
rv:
12 h 08 min
